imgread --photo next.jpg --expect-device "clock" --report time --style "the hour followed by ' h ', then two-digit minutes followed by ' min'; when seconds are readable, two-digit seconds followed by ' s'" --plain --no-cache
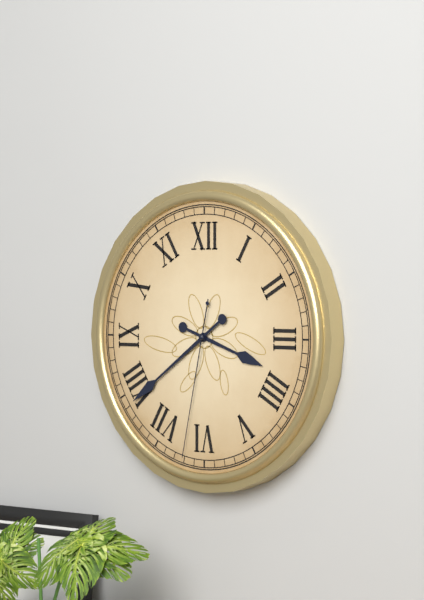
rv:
3 h 39 min 32 s
